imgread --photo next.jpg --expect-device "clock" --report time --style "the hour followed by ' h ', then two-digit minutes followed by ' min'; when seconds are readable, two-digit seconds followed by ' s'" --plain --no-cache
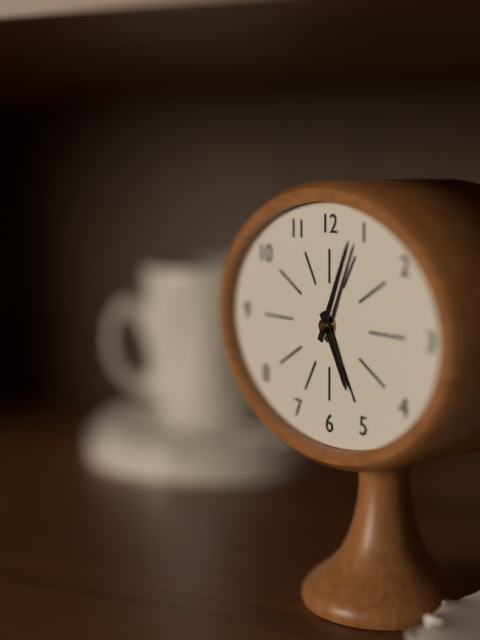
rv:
5 h 04 min
